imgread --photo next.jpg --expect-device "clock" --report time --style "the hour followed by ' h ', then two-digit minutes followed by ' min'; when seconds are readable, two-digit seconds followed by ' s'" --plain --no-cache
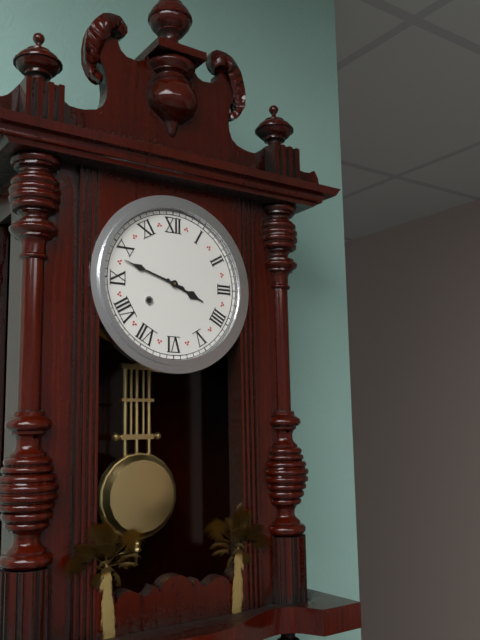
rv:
3 h 48 min
